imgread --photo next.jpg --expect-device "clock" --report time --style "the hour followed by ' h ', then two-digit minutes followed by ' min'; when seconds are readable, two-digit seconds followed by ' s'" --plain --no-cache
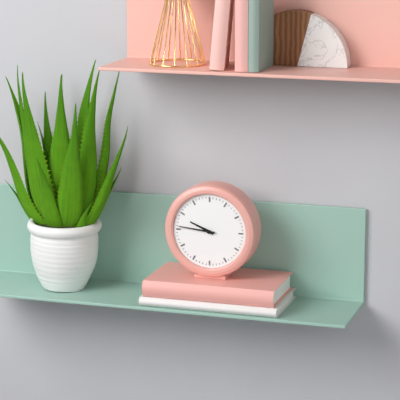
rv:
9 h 46 min
